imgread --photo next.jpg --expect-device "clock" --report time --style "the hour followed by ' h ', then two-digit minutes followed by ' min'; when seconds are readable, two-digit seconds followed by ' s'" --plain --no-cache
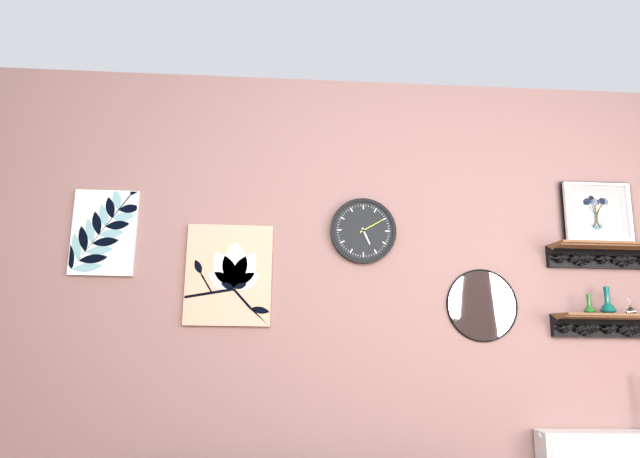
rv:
5 h 10 min
